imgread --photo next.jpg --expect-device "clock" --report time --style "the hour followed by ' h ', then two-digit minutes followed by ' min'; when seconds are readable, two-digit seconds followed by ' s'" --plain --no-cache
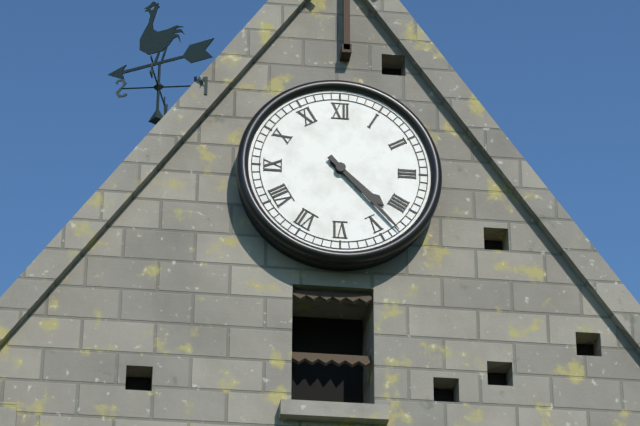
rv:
4 h 23 min
